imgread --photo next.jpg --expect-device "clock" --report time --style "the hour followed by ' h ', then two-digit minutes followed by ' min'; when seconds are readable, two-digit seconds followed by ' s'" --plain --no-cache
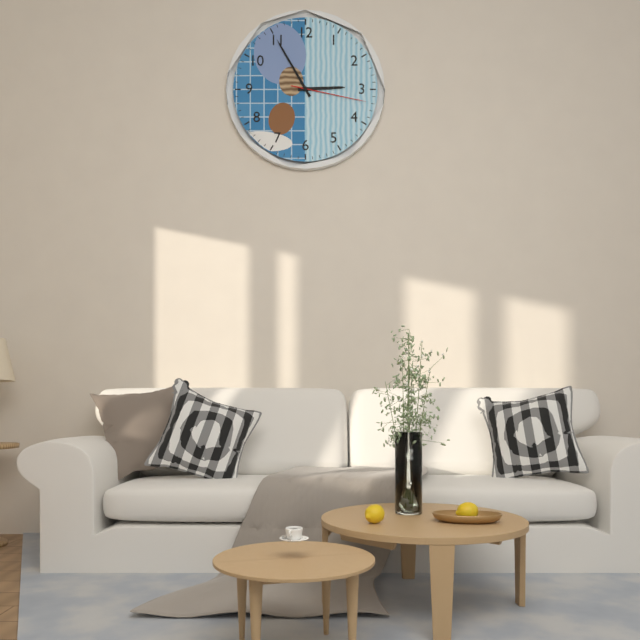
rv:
2 h 55 min 17 s
